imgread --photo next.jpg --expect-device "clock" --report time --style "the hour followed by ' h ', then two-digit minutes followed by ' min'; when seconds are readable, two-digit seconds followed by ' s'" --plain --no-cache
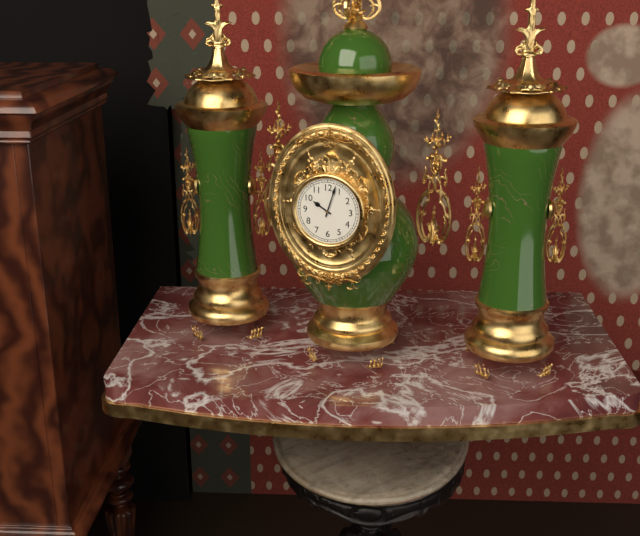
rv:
10 h 03 min
